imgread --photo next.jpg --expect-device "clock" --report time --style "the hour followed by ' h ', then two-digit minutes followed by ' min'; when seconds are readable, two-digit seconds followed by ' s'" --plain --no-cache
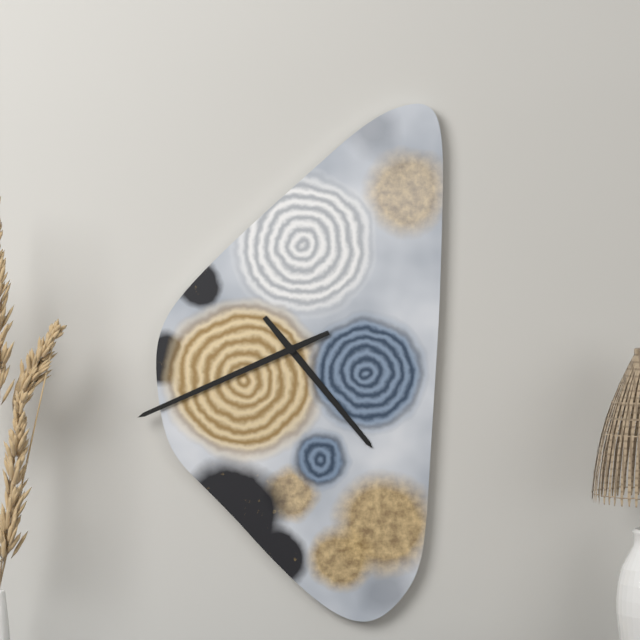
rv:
4 h 41 min
